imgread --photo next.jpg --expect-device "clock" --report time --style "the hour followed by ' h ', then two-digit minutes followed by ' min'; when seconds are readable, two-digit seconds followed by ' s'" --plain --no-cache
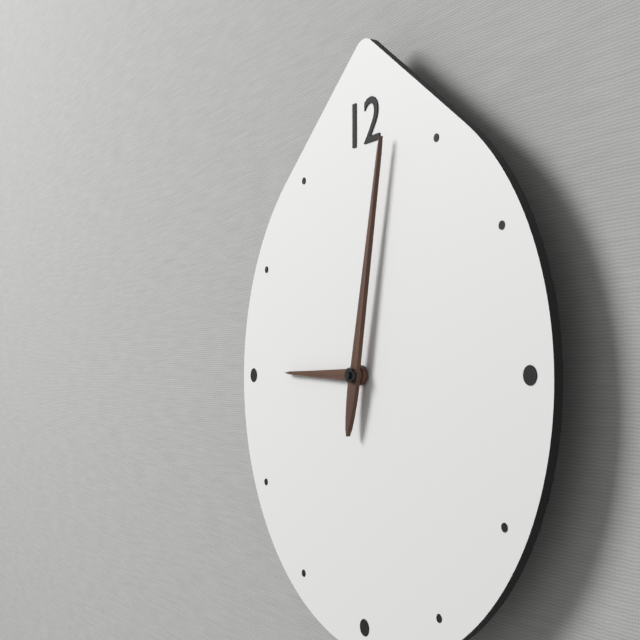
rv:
9 h 02 min
